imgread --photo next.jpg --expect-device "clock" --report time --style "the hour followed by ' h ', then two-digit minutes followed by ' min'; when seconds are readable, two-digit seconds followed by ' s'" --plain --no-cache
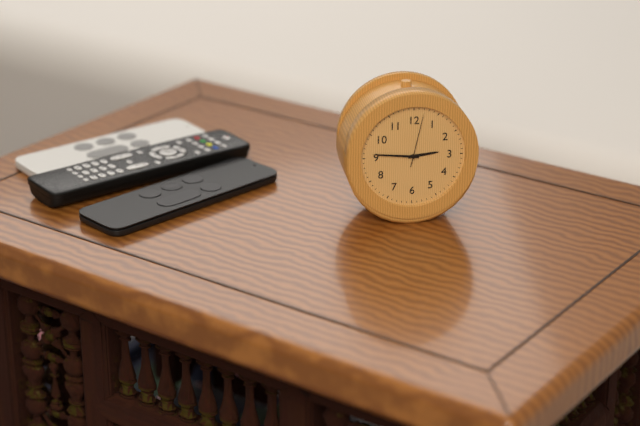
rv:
2 h 46 min 02 s
